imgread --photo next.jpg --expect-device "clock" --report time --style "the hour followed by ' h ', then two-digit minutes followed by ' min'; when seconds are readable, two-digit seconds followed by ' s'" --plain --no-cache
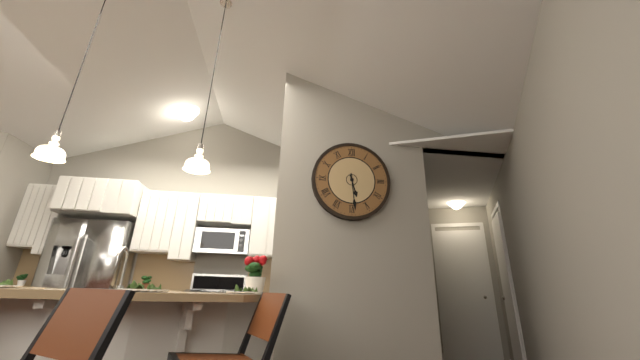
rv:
5 h 29 min
